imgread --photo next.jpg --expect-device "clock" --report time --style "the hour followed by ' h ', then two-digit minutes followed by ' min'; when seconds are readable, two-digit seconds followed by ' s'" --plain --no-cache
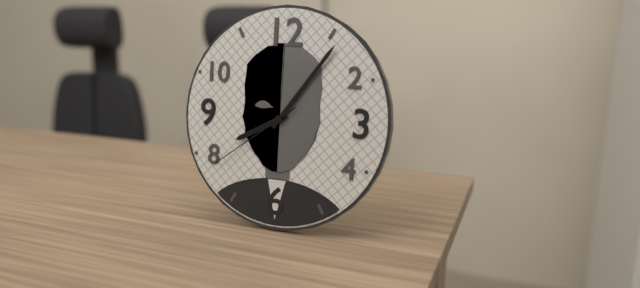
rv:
8 h 06 min 39 s
